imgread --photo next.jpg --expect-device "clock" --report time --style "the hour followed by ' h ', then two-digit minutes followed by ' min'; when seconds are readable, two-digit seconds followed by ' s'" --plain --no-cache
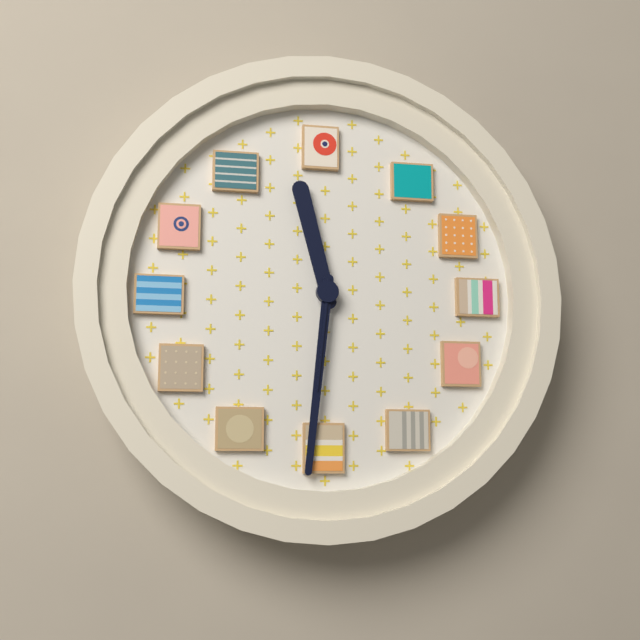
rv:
11 h 31 min 31 s
